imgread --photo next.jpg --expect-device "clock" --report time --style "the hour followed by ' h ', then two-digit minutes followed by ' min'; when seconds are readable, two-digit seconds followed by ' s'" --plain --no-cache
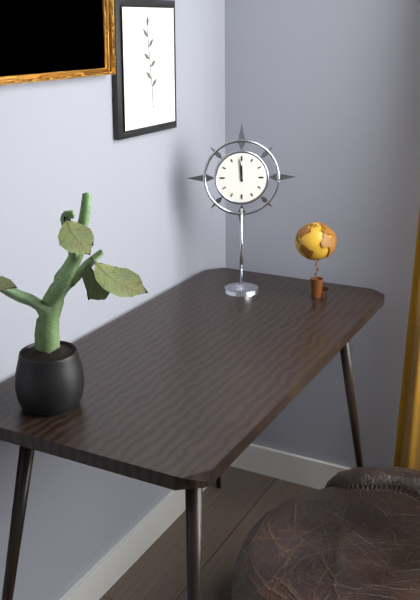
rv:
11 h 59 min
